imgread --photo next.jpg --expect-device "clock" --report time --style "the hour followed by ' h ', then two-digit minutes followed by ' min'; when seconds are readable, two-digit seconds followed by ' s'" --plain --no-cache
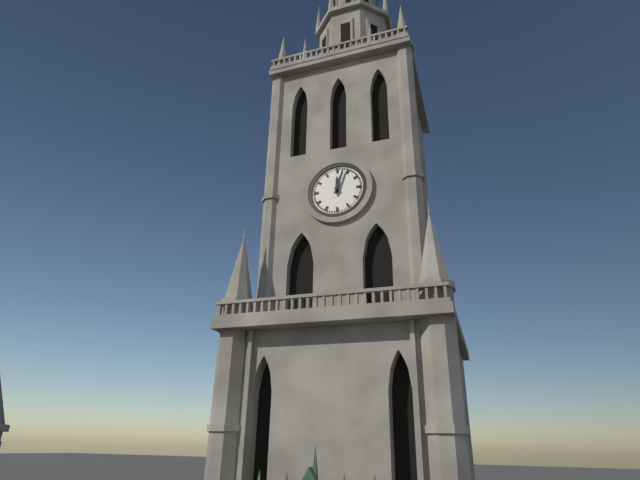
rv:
12 h 03 min
